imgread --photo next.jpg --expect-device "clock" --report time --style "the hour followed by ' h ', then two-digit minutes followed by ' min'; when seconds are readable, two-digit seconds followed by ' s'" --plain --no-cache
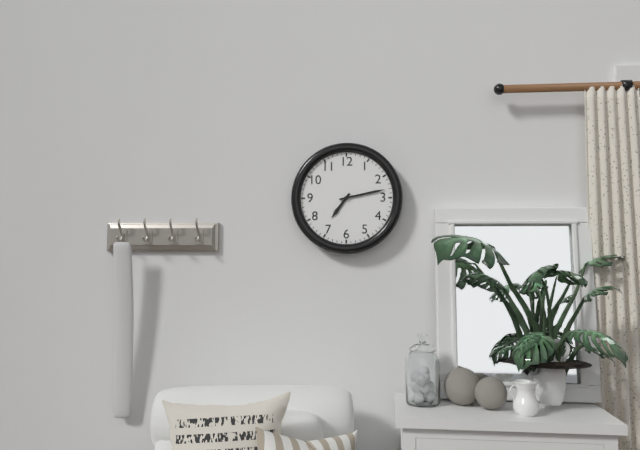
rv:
7 h 13 min
